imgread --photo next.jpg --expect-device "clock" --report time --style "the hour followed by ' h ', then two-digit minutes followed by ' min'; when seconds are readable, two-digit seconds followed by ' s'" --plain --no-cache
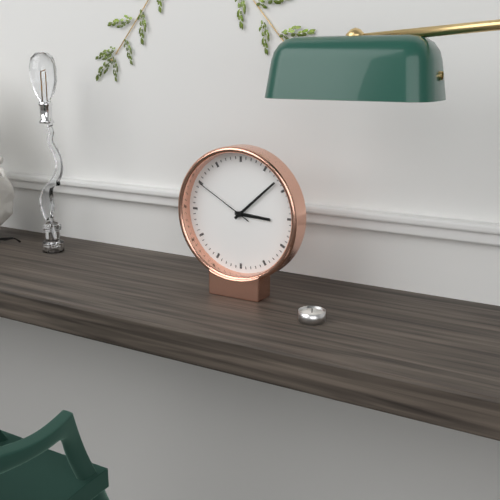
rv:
3 h 08 min 50 s
